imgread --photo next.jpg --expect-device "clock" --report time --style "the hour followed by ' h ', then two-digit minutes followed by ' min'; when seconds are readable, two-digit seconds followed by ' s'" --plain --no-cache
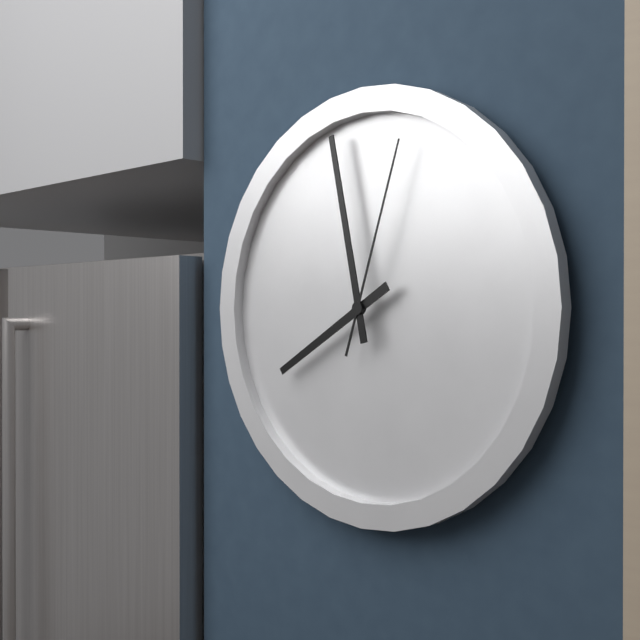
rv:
7 h 58 min 03 s
